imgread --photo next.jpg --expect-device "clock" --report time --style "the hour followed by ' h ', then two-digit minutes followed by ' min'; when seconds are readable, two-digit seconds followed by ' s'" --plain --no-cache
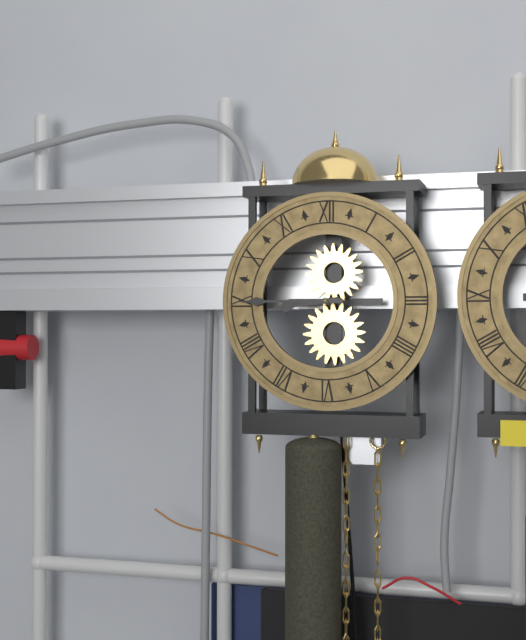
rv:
8 h 45 min
